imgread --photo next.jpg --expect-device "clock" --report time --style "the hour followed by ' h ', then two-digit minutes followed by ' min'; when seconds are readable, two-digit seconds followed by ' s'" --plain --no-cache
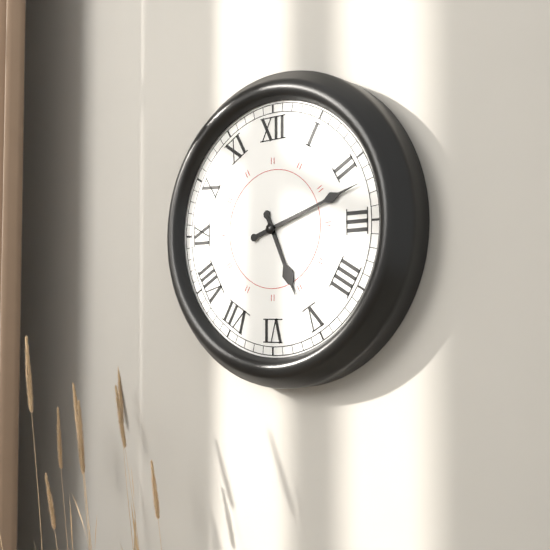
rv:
5 h 12 min
